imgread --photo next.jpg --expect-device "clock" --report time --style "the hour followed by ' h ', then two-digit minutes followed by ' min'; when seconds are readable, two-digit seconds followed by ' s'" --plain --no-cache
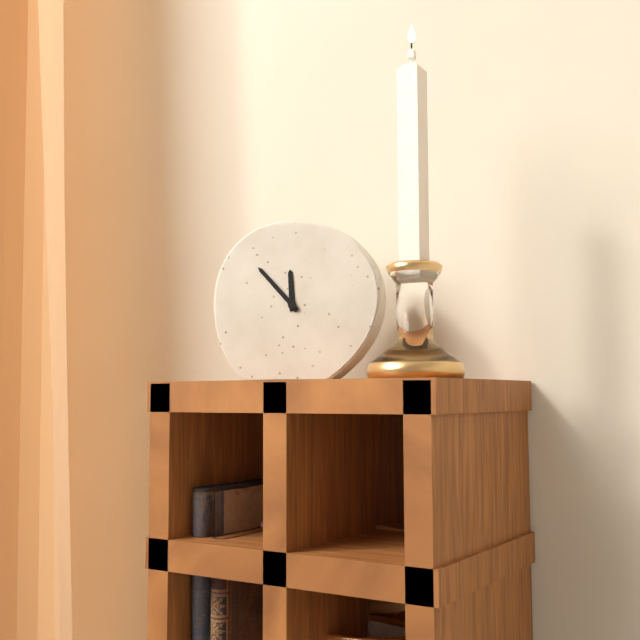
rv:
11 h 53 min
